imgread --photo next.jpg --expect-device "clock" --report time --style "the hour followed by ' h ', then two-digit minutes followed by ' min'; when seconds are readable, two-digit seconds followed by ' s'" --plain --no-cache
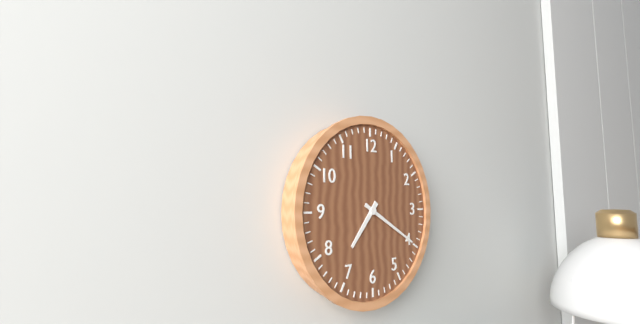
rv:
7 h 20 min
